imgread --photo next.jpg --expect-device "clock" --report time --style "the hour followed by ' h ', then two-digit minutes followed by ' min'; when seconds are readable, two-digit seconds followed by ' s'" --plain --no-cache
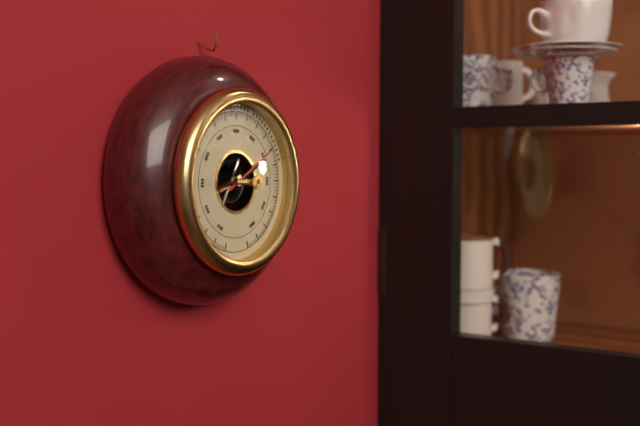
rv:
2 h 10 min
